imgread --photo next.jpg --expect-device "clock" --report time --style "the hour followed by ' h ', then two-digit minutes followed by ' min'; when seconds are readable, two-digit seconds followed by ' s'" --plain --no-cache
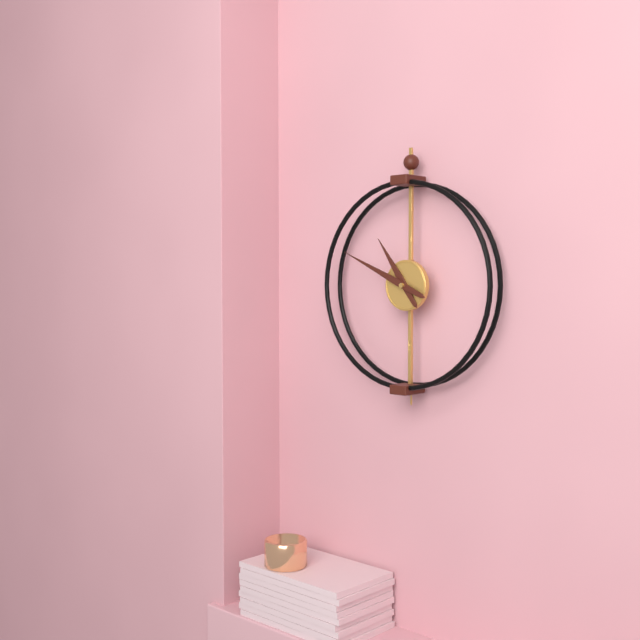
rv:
10 h 49 min
